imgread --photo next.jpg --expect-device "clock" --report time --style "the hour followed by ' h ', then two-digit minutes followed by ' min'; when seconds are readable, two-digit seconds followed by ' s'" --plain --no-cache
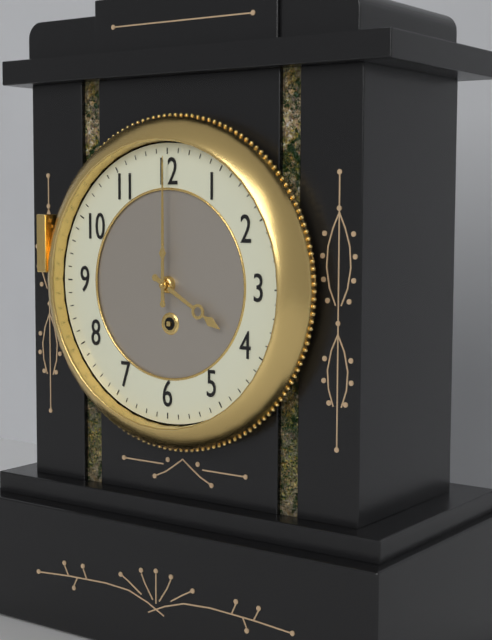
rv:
4 h 00 min
